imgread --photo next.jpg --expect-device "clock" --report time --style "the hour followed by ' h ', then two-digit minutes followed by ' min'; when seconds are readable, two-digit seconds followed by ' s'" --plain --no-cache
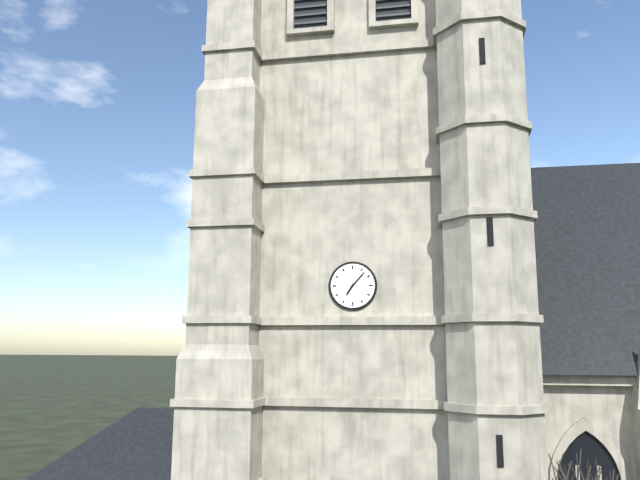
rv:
7 h 07 min
